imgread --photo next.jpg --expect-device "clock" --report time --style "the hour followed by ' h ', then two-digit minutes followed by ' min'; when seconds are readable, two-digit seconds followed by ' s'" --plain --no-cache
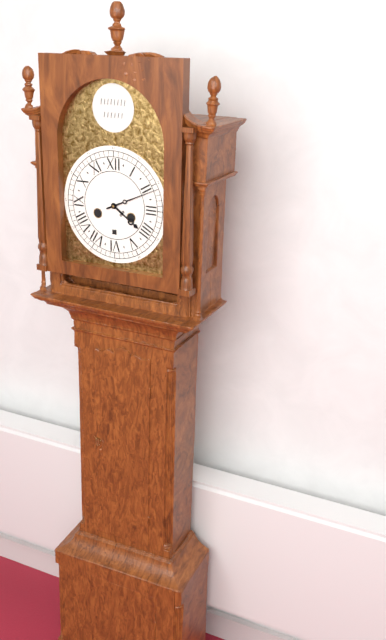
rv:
4 h 11 min
